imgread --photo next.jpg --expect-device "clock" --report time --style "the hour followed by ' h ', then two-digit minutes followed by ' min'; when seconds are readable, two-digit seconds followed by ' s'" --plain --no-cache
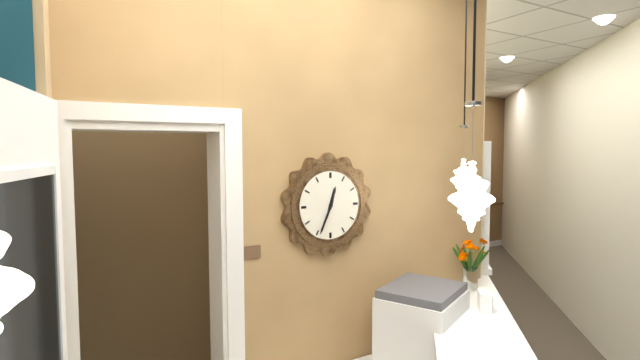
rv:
12 h 34 min
